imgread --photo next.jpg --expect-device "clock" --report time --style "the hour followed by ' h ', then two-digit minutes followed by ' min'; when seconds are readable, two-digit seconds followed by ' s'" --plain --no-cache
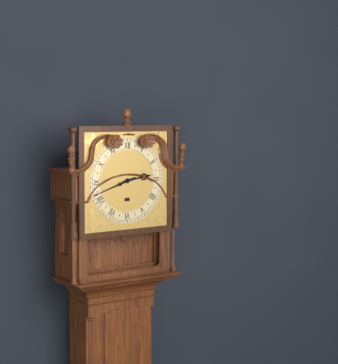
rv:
2 h 42 min
